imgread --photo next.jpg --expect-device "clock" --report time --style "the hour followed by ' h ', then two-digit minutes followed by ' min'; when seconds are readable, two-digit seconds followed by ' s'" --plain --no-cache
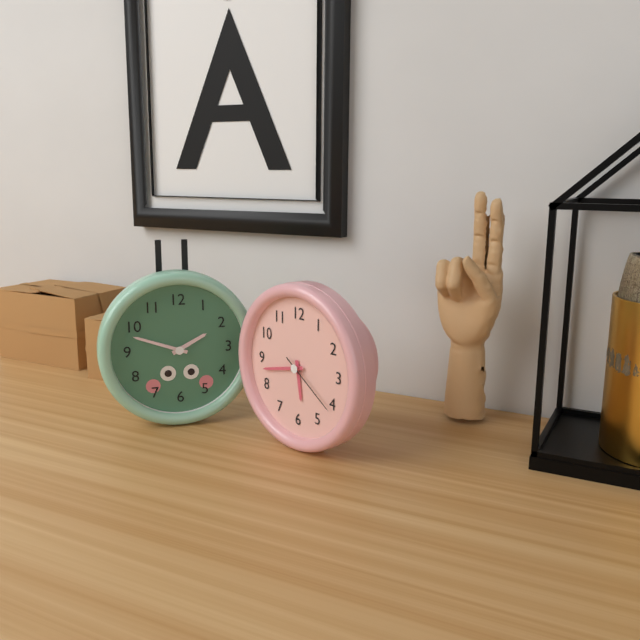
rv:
5 h 43 min 21 s
